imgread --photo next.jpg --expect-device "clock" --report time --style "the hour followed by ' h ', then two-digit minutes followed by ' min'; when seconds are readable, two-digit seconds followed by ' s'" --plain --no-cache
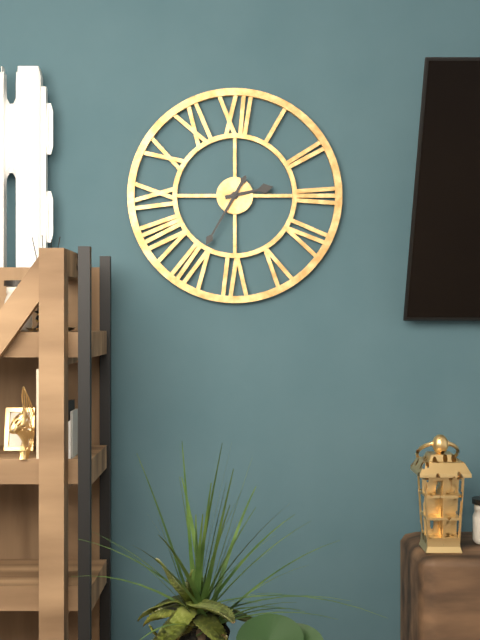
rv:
2 h 35 min
